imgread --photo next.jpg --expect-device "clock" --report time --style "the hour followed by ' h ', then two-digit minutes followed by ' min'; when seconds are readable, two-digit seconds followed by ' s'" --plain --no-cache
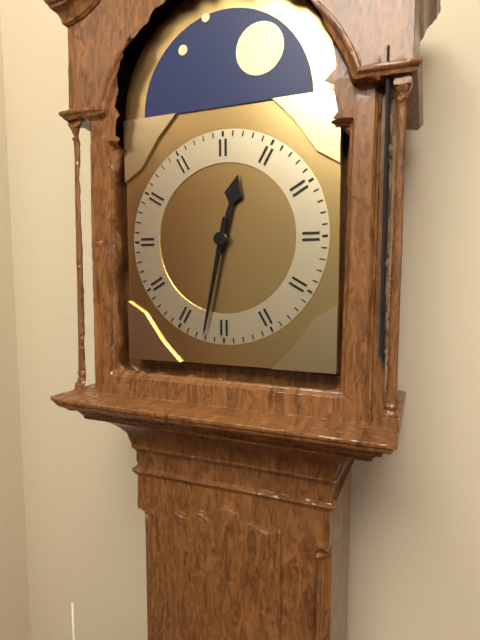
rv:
12 h 32 min
